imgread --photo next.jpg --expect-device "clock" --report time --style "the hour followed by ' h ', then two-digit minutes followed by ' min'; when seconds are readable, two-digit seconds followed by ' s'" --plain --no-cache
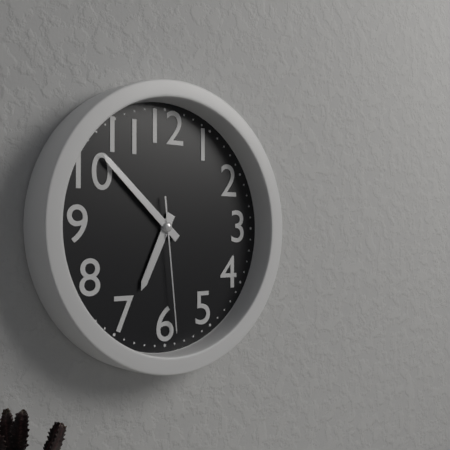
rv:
6 h 52 min 29 s
